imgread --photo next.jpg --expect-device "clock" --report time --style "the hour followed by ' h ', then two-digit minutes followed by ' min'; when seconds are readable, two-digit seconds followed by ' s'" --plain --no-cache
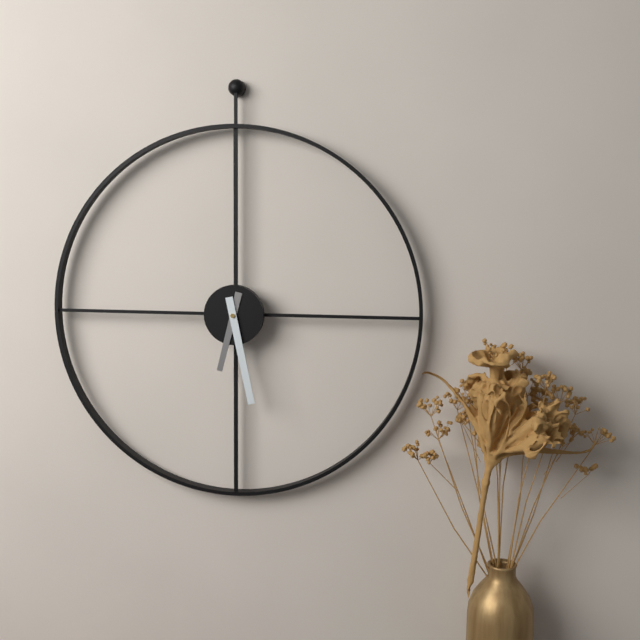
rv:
6 h 28 min
